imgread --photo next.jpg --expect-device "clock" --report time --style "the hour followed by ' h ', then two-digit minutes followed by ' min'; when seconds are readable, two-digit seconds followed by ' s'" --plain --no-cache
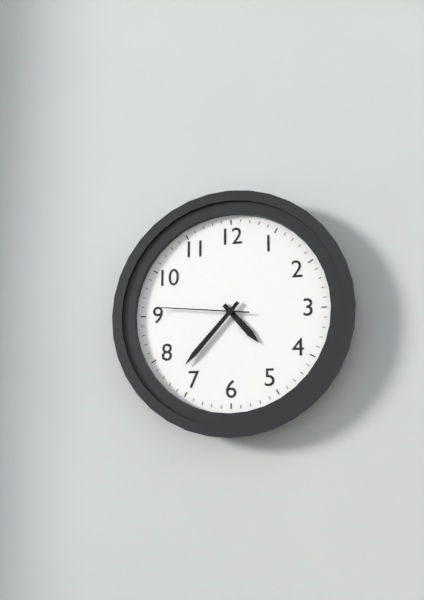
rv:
4 h 37 min 46 s
